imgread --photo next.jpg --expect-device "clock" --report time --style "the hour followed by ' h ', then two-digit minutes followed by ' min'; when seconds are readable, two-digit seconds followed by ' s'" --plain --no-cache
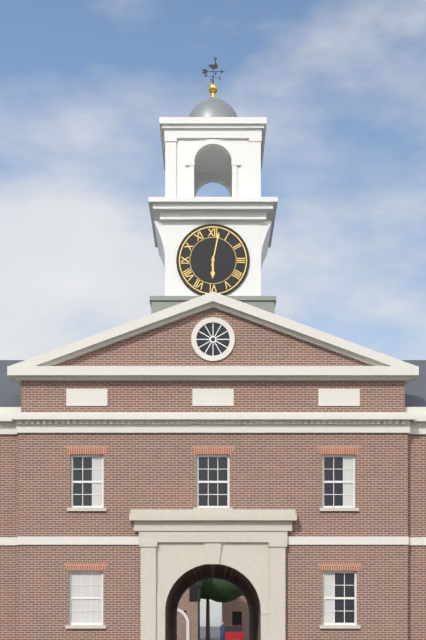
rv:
6 h 02 min
